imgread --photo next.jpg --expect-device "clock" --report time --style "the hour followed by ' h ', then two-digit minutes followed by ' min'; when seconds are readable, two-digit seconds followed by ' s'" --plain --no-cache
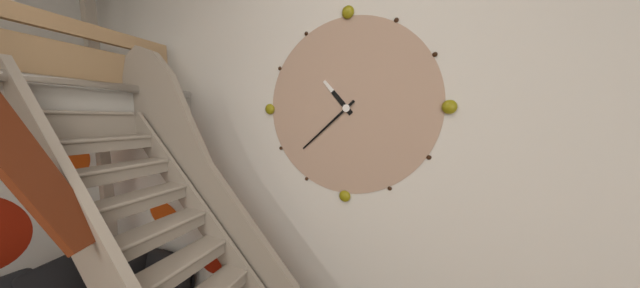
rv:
10 h 38 min
